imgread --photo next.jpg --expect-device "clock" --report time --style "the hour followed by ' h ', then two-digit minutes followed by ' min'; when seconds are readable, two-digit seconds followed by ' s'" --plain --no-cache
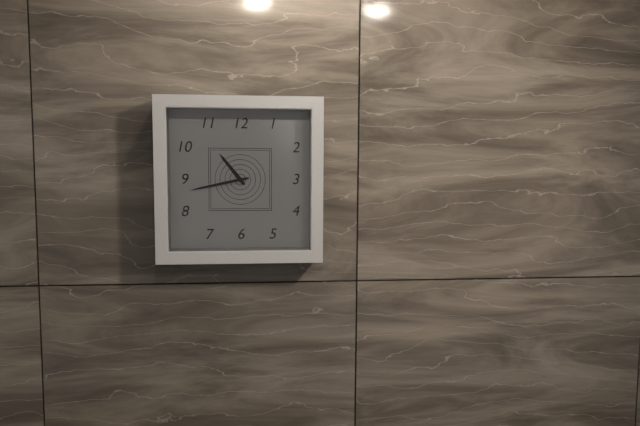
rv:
10 h 43 min
